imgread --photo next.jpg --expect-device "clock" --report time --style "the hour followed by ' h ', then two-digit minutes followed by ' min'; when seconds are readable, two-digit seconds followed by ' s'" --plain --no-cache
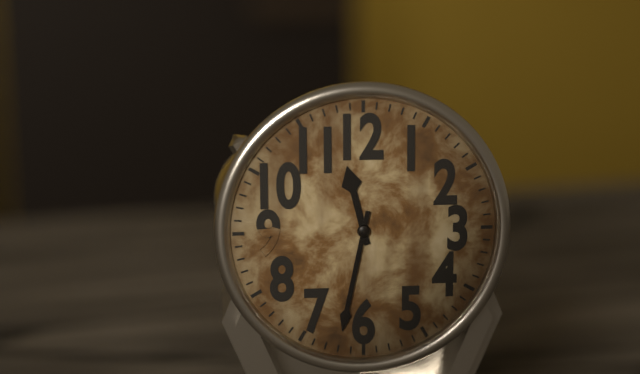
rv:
11 h 32 min
